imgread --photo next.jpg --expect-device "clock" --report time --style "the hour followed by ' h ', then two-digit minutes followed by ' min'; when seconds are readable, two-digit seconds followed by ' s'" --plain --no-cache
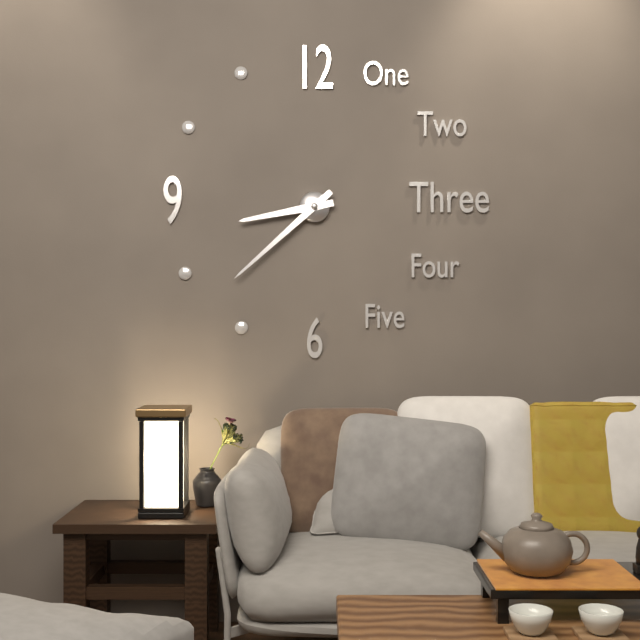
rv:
8 h 38 min
